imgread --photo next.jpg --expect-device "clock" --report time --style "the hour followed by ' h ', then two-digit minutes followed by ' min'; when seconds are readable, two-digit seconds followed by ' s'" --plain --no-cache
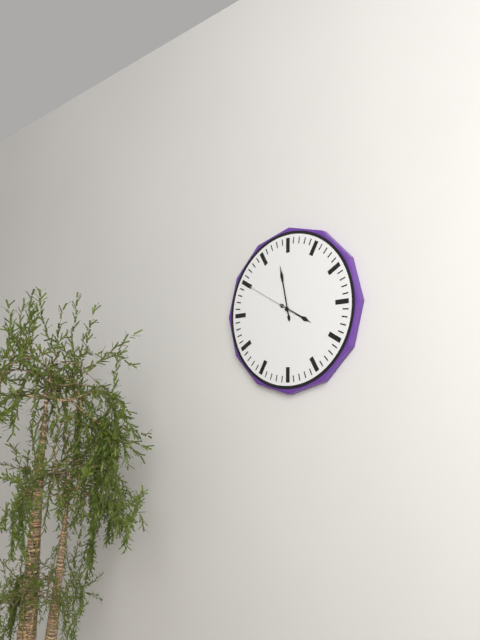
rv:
3 h 58 min 50 s
